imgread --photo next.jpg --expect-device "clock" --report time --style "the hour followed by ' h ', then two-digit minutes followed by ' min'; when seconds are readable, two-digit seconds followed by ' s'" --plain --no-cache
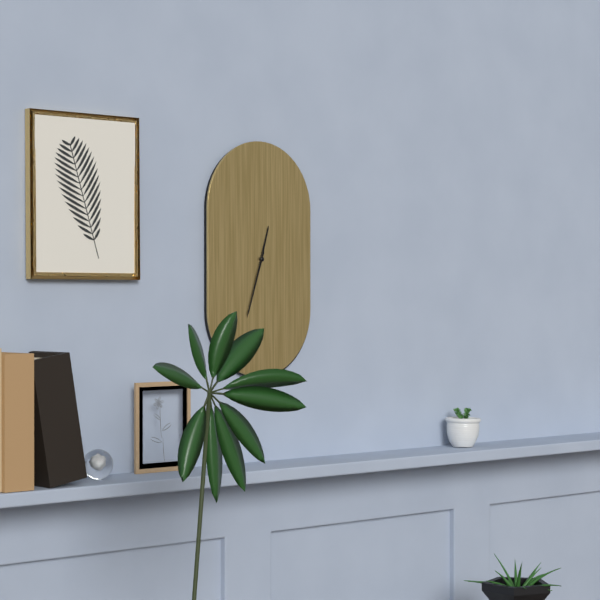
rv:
12 h 33 min
